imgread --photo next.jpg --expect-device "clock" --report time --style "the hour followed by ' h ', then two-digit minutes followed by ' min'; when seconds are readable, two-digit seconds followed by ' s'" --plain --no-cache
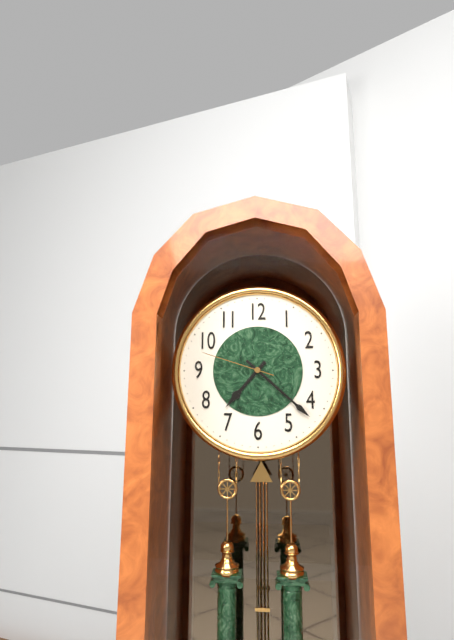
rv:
7 h 22 min 48 s
